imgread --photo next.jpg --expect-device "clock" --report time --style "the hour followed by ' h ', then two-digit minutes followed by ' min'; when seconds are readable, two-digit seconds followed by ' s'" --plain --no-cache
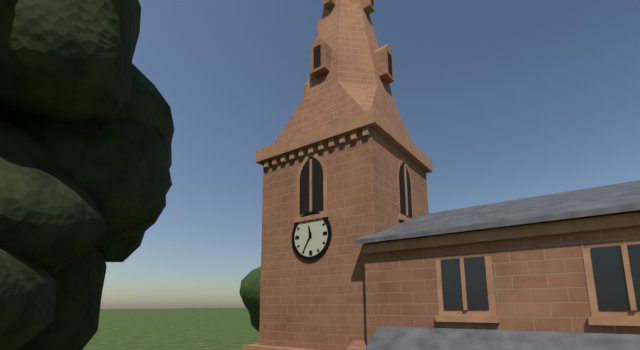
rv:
11 h 35 min
